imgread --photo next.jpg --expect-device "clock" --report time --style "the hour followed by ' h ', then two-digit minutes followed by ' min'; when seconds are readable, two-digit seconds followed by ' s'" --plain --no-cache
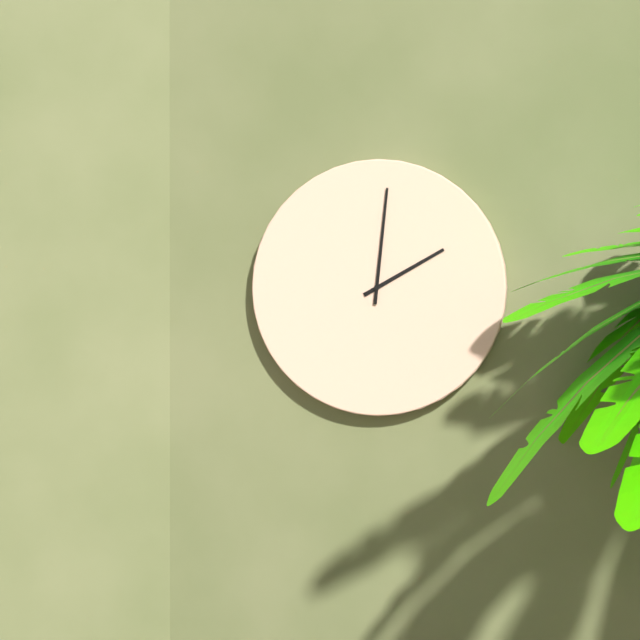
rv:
2 h 01 min
